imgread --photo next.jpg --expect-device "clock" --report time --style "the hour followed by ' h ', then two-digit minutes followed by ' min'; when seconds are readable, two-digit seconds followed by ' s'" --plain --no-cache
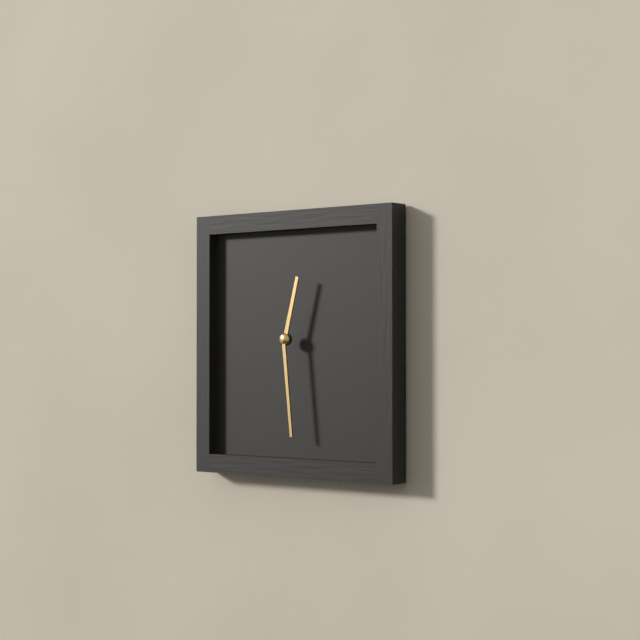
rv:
12 h 29 min
